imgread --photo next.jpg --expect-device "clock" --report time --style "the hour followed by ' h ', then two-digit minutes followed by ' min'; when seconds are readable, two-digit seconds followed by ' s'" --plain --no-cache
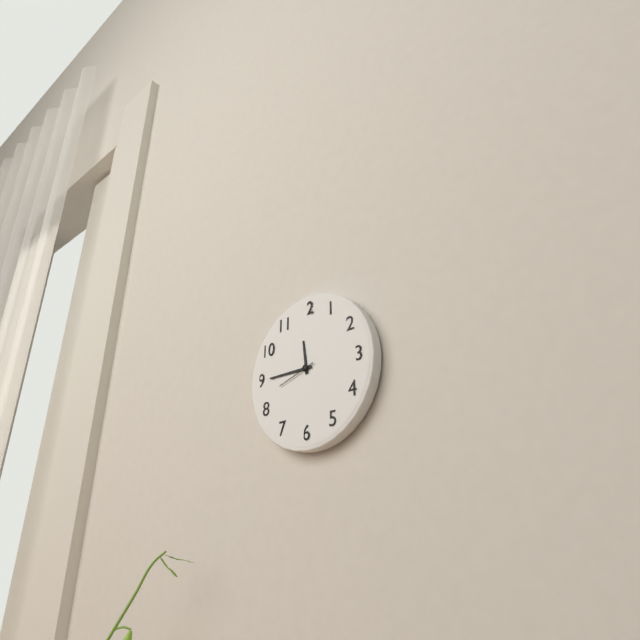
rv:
11 h 45 min
